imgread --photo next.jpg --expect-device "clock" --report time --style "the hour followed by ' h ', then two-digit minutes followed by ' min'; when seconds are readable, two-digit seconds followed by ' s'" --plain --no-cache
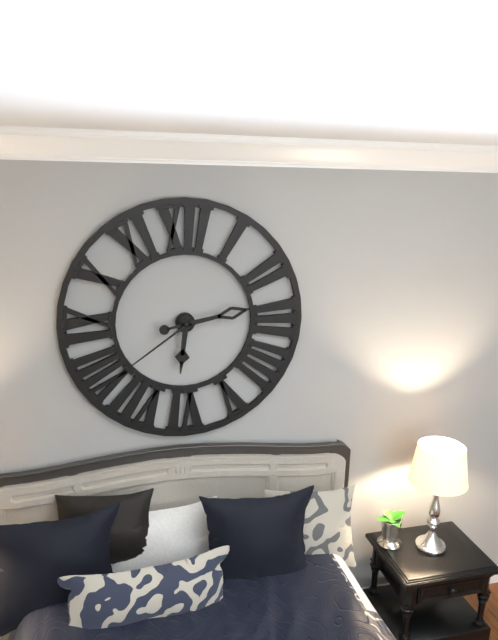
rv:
6 h 13 min 39 s
